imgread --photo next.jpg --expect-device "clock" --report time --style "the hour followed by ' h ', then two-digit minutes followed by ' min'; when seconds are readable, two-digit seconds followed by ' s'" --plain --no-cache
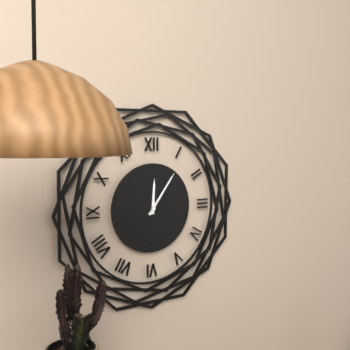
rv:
12 h 06 min
